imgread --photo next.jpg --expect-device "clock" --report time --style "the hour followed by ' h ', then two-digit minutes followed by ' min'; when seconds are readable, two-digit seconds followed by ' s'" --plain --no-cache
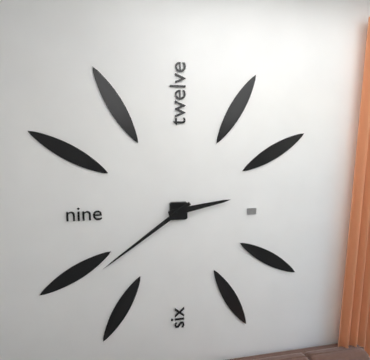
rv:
2 h 39 min
